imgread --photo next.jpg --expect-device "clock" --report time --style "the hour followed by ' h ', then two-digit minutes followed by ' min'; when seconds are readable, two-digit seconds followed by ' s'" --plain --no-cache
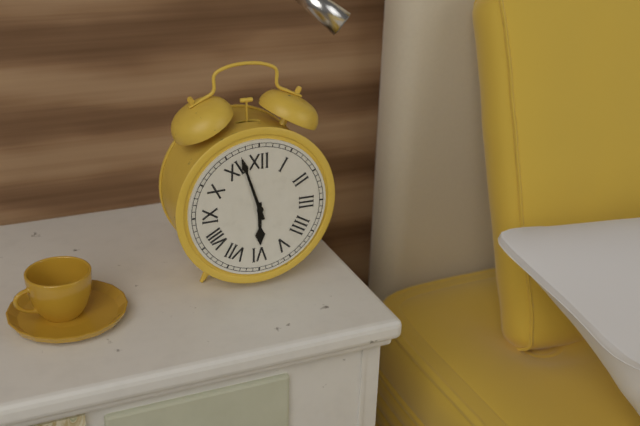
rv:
5 h 57 min
